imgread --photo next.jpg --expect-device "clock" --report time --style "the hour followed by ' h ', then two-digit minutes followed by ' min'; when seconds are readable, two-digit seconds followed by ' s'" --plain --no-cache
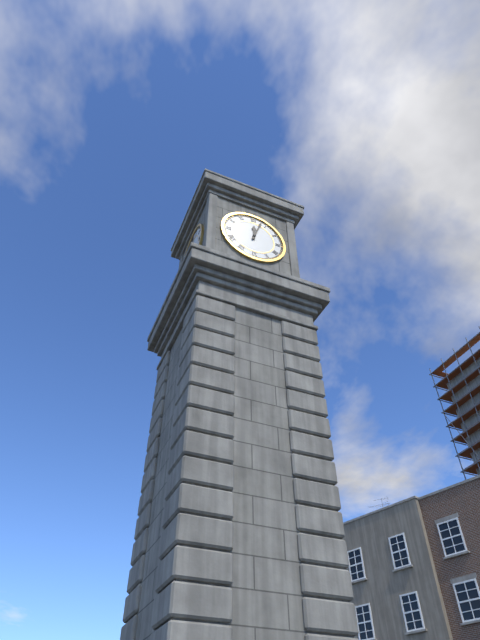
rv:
12 h 03 min
